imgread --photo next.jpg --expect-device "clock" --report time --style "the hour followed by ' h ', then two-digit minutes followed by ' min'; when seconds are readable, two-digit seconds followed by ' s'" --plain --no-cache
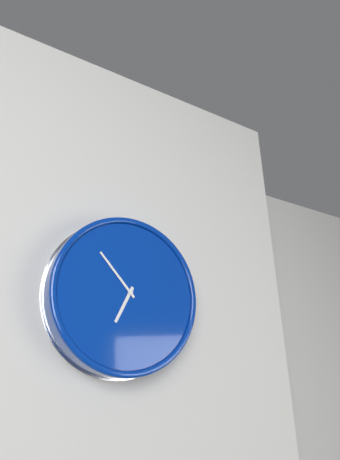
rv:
6 h 53 min
